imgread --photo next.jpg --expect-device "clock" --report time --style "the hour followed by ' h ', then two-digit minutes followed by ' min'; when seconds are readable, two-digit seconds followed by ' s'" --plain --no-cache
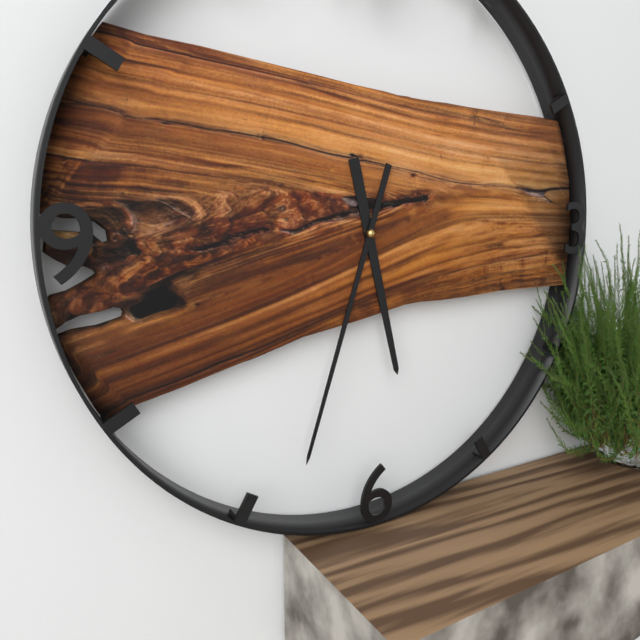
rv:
5 h 33 min
